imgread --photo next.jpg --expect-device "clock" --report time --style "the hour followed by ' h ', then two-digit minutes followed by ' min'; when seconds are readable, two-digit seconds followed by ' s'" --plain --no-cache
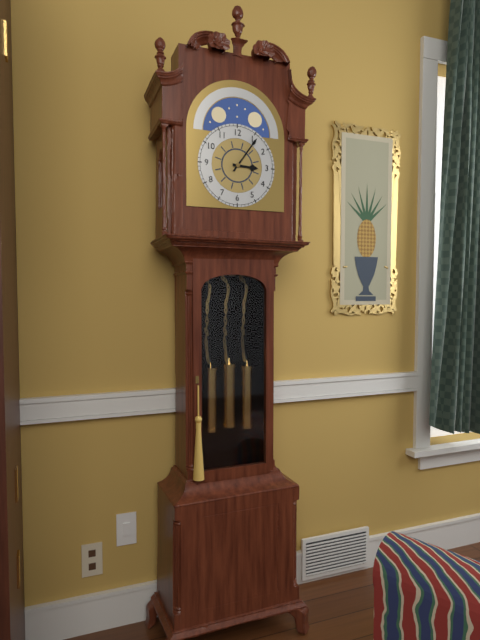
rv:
3 h 06 min
